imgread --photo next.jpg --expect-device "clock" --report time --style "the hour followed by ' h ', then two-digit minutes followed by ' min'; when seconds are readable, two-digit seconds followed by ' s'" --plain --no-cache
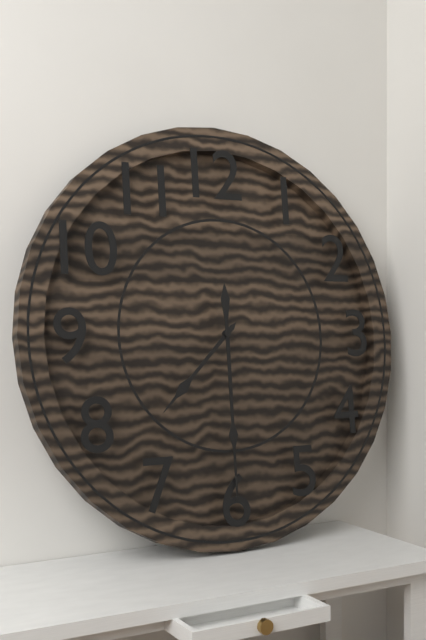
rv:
7 h 30 min
